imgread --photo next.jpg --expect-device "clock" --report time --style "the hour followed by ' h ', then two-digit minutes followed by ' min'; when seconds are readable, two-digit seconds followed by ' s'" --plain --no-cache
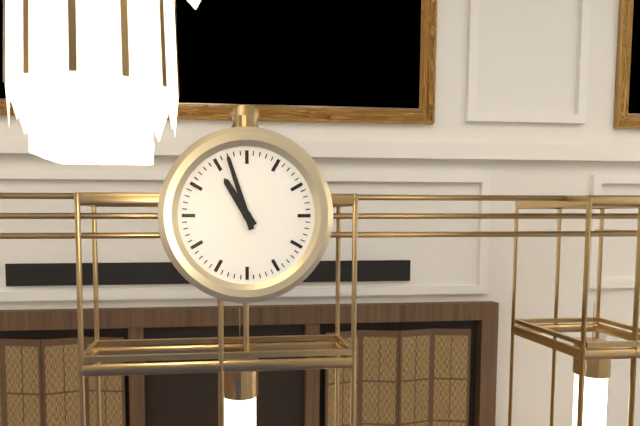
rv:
10 h 57 min
